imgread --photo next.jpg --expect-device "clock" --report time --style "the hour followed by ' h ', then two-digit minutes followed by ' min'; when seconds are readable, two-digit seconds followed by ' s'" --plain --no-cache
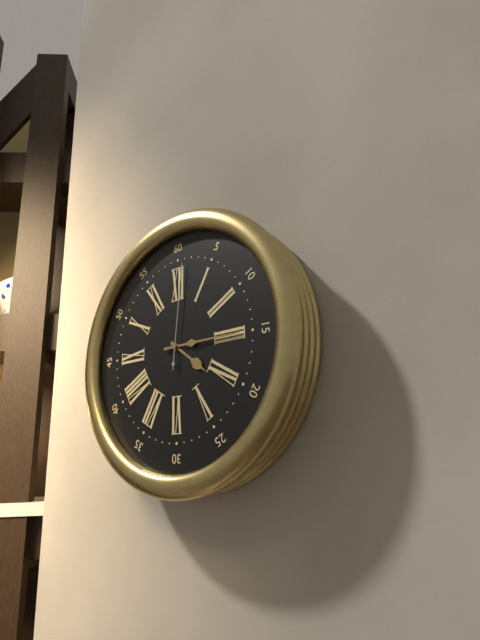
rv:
4 h 15 min 01 s
